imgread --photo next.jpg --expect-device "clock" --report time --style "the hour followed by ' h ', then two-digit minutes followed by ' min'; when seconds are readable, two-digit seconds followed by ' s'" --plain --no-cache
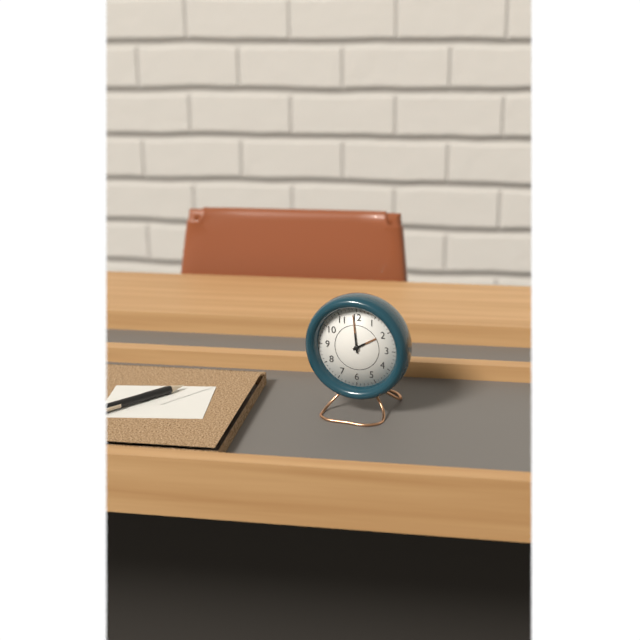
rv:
1 h 59 min
